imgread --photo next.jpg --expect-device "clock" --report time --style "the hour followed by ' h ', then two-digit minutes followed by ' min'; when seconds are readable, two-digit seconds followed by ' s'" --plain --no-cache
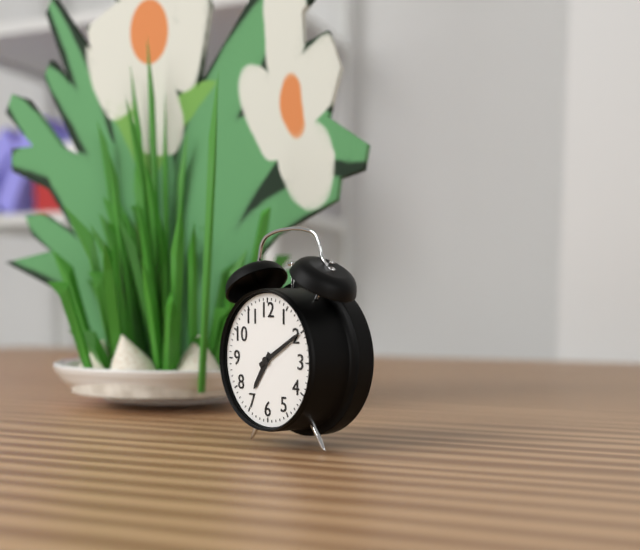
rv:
7 h 10 min
